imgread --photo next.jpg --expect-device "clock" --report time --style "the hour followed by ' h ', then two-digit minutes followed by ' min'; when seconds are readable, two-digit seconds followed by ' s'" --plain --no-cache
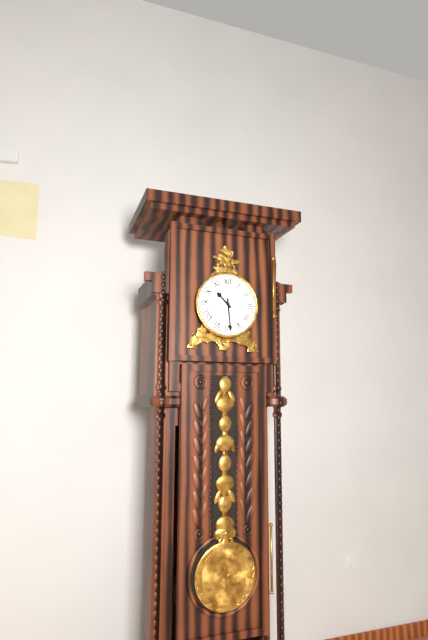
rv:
10 h 29 min
